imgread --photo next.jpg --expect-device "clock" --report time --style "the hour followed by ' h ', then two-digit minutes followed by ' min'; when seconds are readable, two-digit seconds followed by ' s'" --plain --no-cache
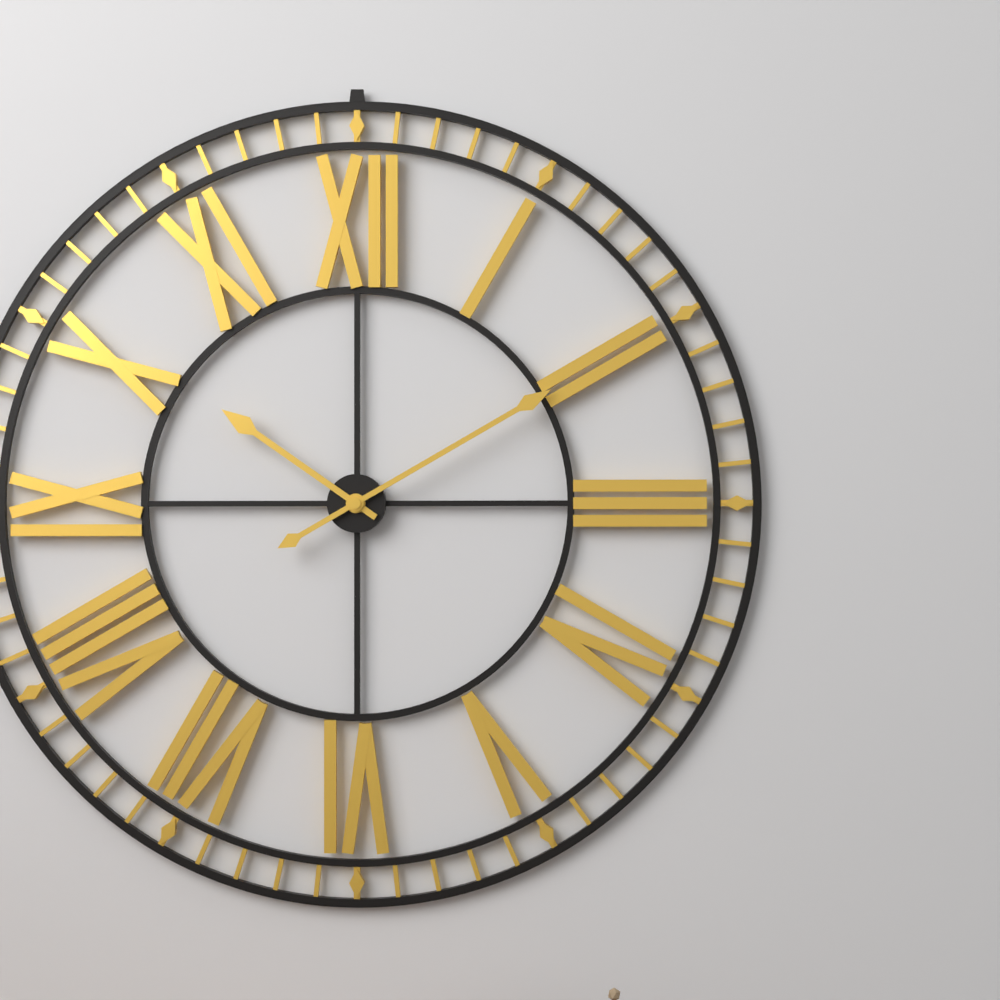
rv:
10 h 10 min
